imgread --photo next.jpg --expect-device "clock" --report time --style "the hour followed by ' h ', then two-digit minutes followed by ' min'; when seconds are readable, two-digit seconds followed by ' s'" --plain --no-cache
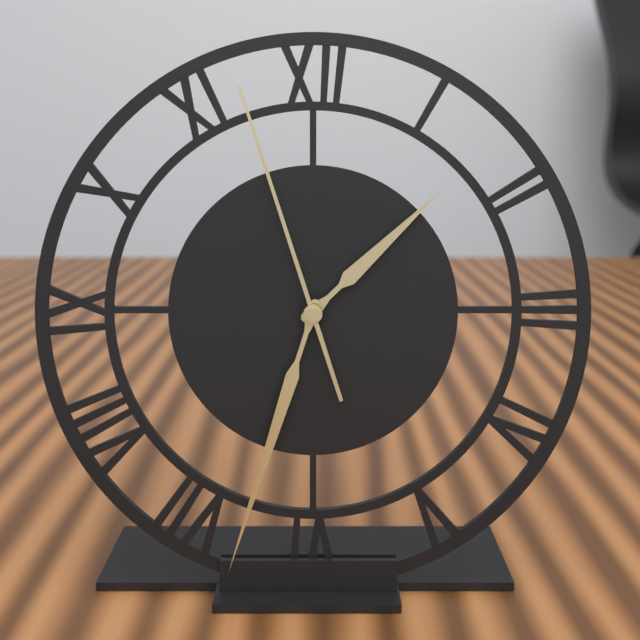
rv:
1 h 33 min 57 s
